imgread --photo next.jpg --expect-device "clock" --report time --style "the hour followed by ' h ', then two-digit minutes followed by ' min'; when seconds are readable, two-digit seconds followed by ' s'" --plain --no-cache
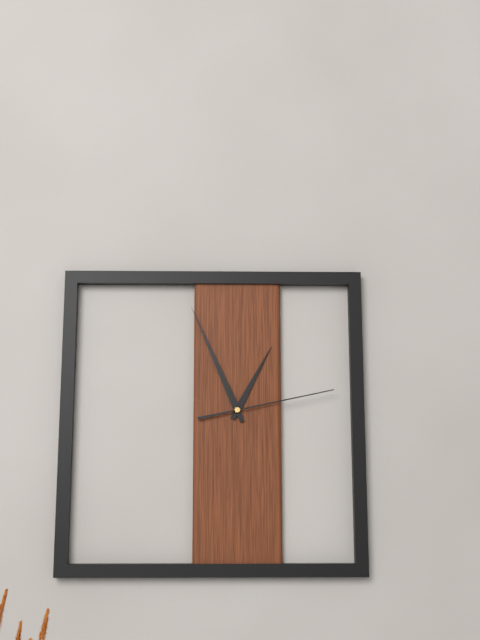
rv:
12 h 56 min 13 s
